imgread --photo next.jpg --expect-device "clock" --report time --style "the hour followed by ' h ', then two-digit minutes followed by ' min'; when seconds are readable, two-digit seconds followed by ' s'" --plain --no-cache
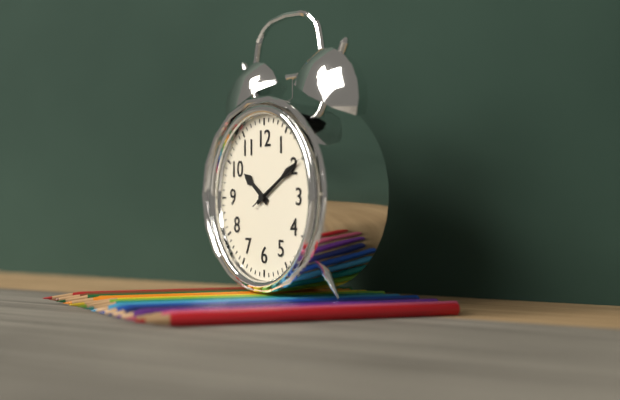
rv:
10 h 10 min 10 s
